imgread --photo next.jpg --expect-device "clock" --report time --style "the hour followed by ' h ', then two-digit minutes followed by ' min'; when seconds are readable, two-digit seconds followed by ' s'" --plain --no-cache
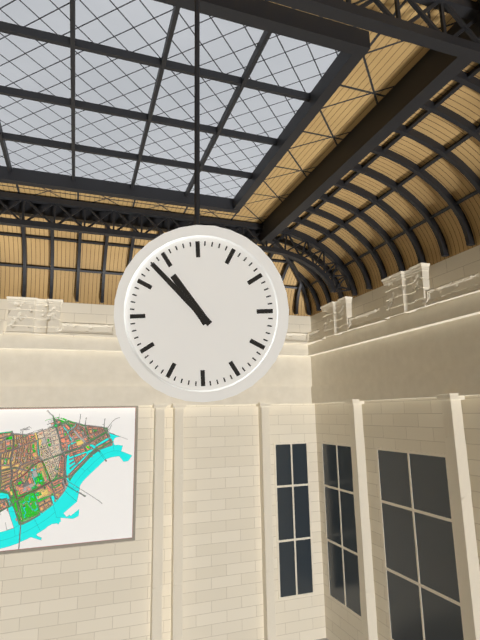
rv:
10 h 53 min
